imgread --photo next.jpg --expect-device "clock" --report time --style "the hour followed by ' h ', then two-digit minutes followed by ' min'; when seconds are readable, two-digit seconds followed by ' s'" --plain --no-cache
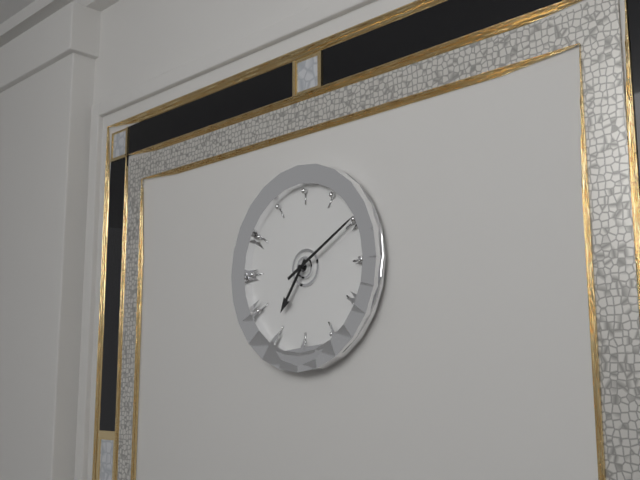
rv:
7 h 10 min
